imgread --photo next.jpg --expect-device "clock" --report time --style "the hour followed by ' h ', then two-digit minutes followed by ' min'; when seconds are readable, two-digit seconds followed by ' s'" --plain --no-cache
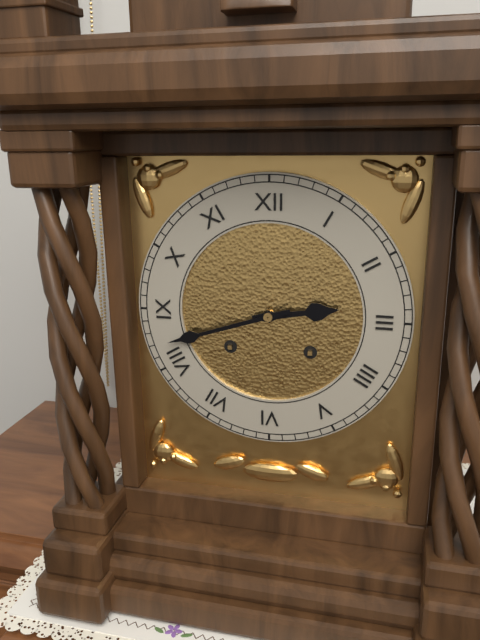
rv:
2 h 42 min
